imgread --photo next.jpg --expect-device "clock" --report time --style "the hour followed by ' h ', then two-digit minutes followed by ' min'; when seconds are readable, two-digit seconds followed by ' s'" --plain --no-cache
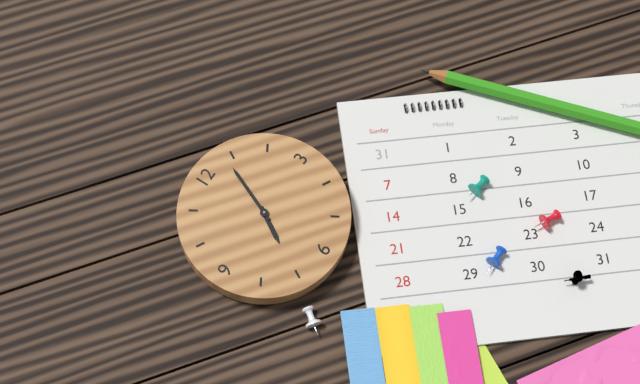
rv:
7 h 04 min
